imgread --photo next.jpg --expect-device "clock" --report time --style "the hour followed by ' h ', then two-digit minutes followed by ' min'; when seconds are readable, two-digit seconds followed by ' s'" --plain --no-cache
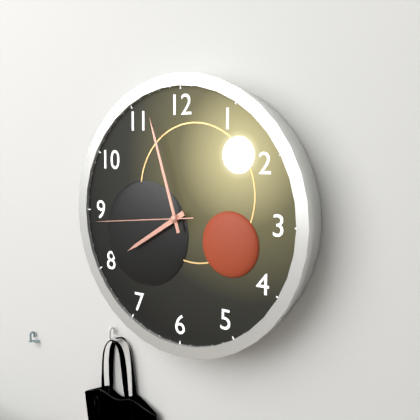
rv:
7 h 57 min 44 s
